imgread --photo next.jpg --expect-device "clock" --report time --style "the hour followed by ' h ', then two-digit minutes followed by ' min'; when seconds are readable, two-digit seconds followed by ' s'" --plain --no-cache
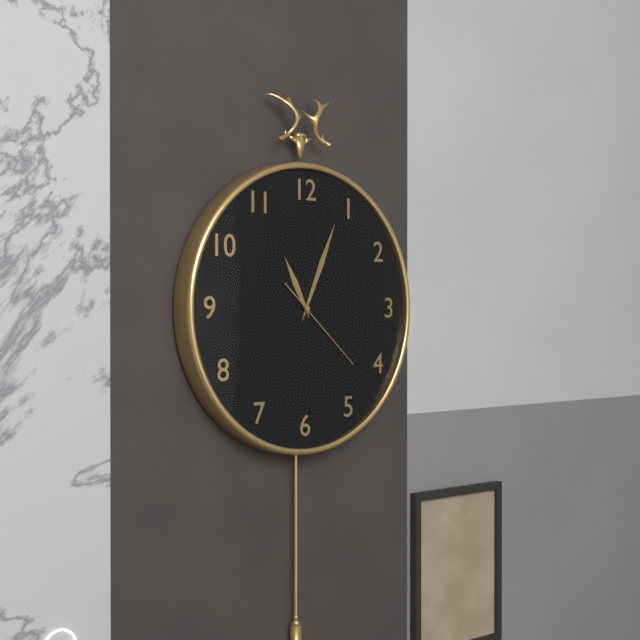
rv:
11 h 04 min 22 s
